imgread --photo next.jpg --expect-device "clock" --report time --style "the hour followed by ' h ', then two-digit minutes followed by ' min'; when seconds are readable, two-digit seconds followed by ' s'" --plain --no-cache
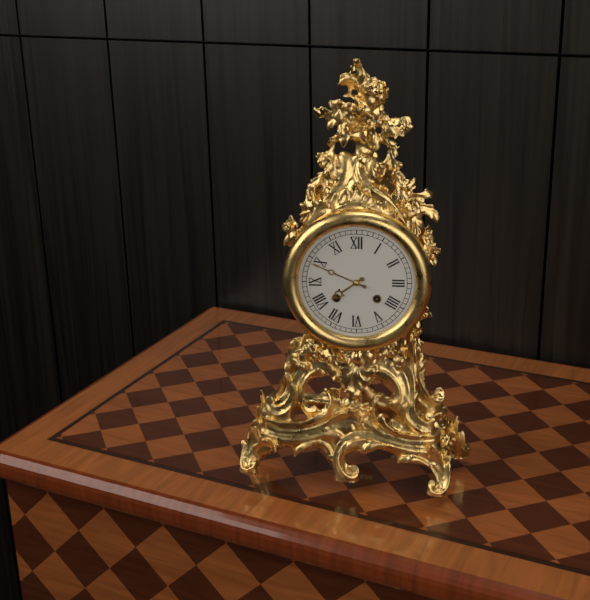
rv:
7 h 49 min
